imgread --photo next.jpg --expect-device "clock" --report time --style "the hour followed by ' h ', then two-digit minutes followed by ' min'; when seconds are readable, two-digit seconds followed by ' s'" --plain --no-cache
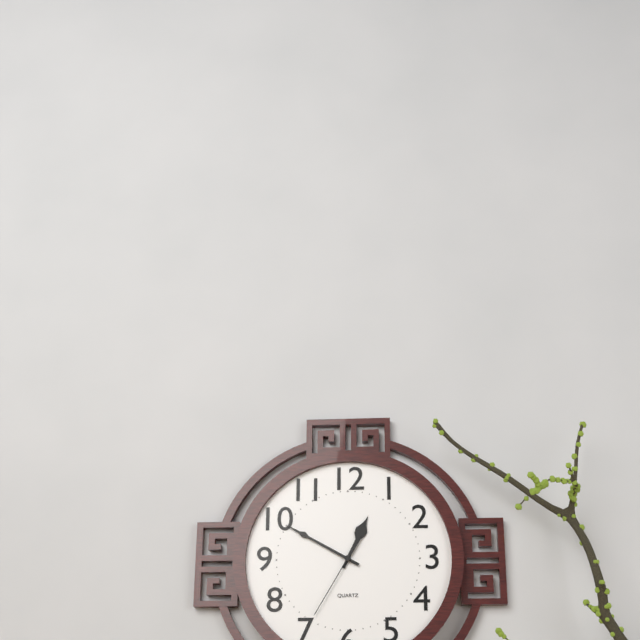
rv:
12 h 50 min 35 s
